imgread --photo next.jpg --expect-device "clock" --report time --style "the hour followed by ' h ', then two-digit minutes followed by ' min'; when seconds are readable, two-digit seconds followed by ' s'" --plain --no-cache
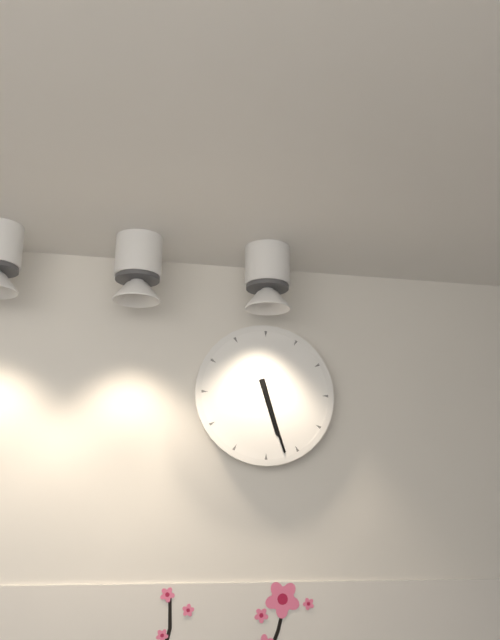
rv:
5 h 27 min
